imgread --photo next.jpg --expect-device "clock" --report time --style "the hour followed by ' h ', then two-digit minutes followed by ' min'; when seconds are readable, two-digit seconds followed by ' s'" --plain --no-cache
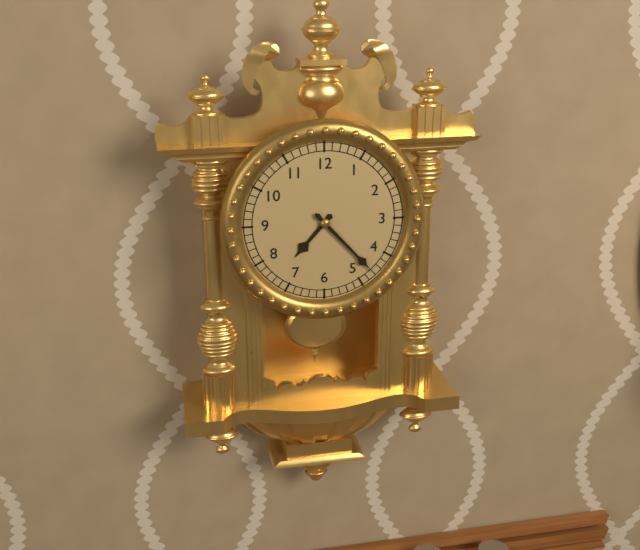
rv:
7 h 23 min
